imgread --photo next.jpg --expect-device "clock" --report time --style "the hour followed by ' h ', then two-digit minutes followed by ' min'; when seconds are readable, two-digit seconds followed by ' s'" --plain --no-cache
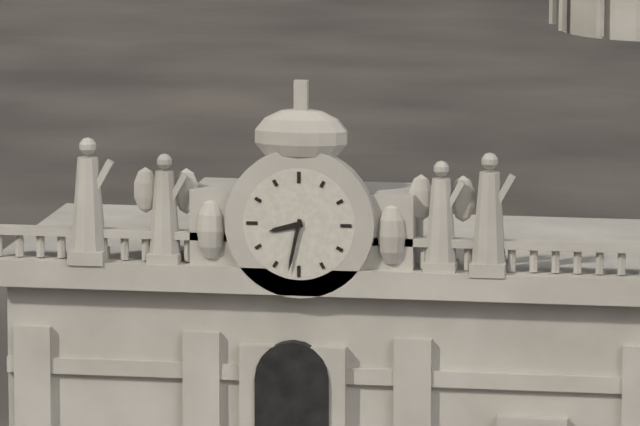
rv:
8 h 32 min
